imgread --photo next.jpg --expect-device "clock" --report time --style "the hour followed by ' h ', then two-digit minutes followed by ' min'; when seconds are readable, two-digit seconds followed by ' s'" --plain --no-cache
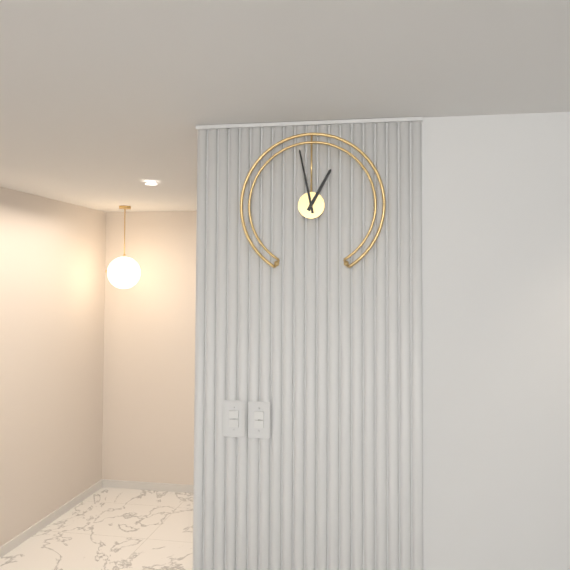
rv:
12 h 58 min
